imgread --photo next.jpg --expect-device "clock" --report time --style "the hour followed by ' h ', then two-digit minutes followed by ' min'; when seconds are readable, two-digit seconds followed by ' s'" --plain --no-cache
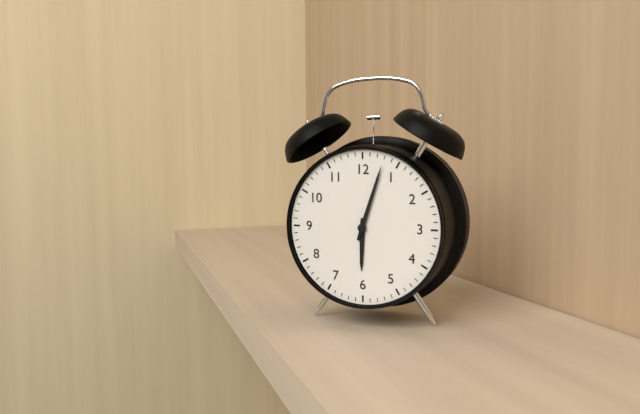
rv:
6 h 03 min
